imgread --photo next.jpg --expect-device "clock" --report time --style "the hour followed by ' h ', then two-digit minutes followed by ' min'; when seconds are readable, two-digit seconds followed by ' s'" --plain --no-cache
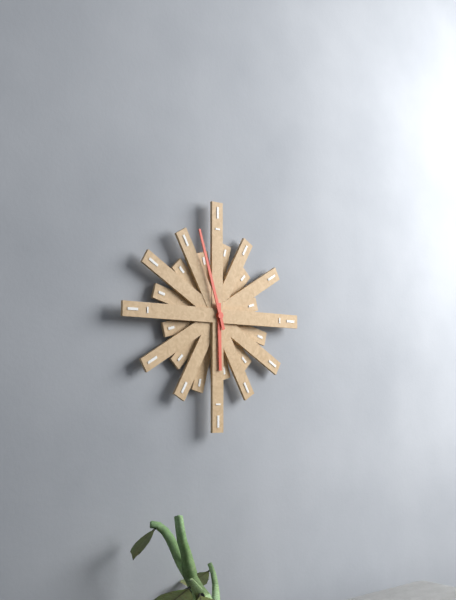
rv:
5 h 57 min
